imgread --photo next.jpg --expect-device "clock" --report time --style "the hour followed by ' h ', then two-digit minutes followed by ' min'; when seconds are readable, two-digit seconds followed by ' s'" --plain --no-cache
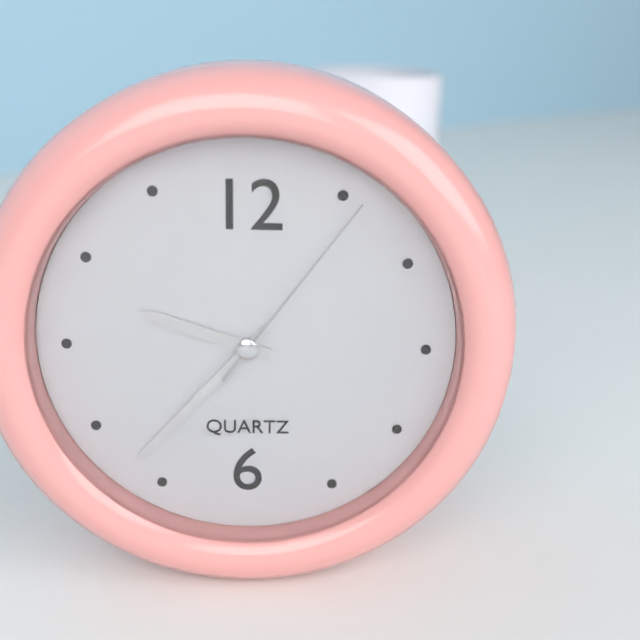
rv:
9 h 37 min 06 s
